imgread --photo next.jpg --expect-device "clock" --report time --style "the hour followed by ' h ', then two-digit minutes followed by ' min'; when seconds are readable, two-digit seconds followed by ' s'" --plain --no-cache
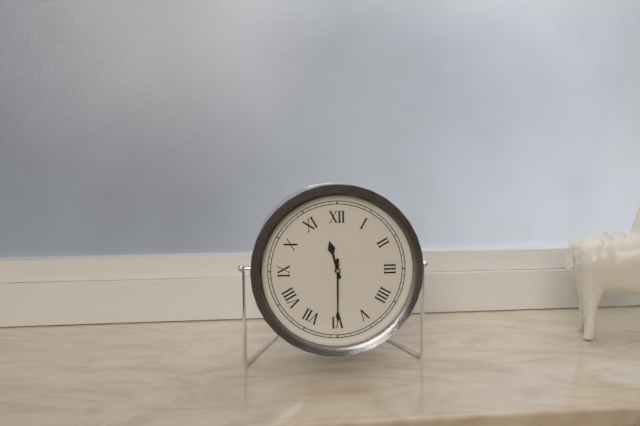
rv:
11 h 30 min
